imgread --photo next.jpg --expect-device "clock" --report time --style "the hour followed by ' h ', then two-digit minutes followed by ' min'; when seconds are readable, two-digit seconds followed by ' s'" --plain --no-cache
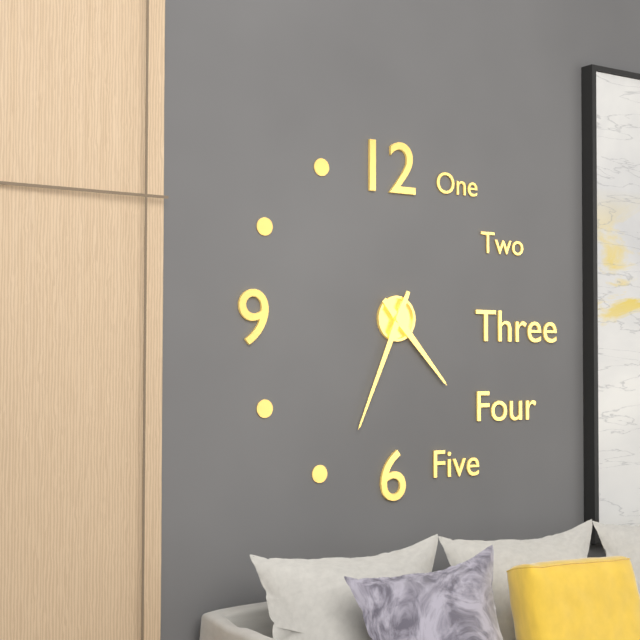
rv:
4 h 34 min
